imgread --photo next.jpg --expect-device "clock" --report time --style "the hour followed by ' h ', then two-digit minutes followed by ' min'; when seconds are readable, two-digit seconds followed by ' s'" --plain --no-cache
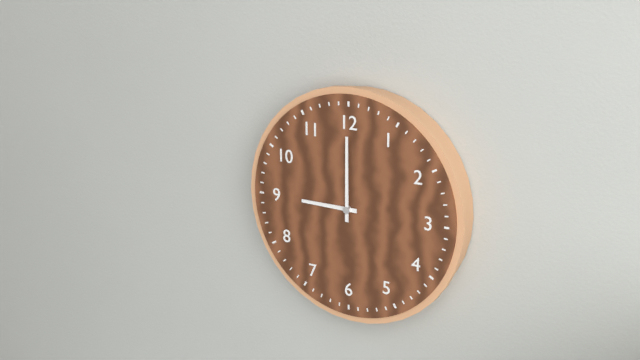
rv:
9 h 00 min
